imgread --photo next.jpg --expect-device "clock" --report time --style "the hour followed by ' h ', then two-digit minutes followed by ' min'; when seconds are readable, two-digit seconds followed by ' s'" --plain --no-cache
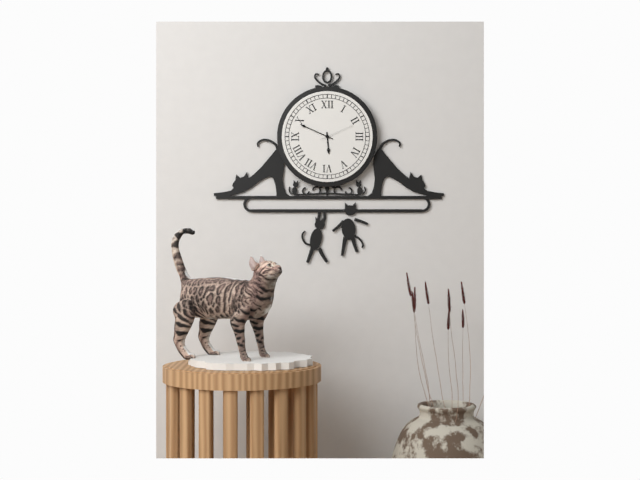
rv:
5 h 49 min
